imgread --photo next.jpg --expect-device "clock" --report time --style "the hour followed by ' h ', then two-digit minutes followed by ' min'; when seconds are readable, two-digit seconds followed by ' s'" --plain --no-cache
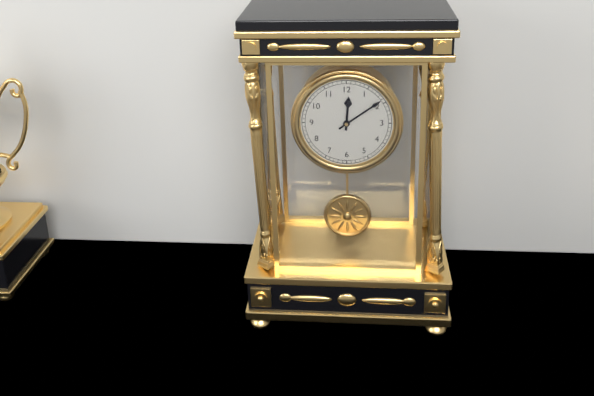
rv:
12 h 09 min
